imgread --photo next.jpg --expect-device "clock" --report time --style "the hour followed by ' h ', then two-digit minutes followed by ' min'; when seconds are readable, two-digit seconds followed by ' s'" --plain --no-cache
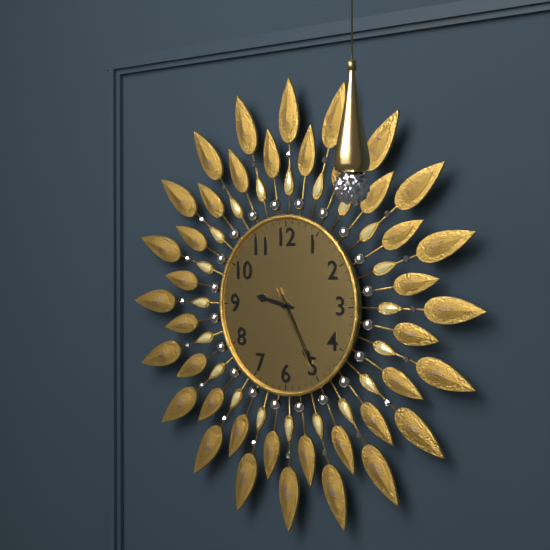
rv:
9 h 25 min 25 s
